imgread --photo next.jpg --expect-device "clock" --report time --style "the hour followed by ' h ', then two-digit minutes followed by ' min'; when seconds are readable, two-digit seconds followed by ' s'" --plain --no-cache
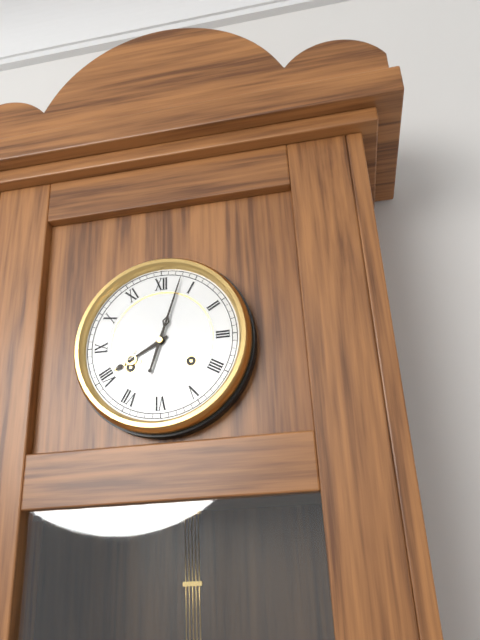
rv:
8 h 03 min
